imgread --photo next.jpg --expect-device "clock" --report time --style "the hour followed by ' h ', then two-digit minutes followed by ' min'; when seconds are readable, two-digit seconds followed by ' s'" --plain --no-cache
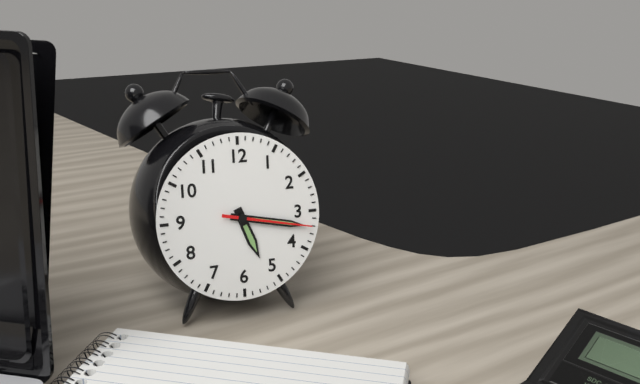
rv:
5 h 17 min 17 s
